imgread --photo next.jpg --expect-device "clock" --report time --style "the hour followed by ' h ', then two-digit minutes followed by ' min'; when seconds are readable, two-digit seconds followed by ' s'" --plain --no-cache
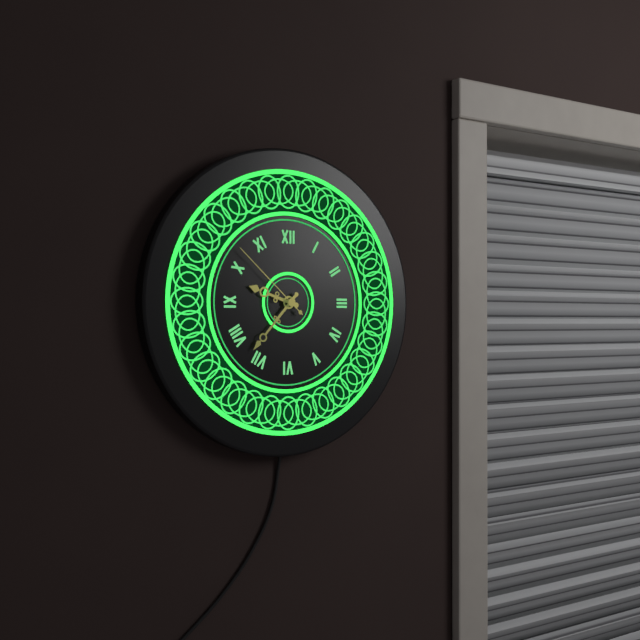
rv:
9 h 37 min 52 s
